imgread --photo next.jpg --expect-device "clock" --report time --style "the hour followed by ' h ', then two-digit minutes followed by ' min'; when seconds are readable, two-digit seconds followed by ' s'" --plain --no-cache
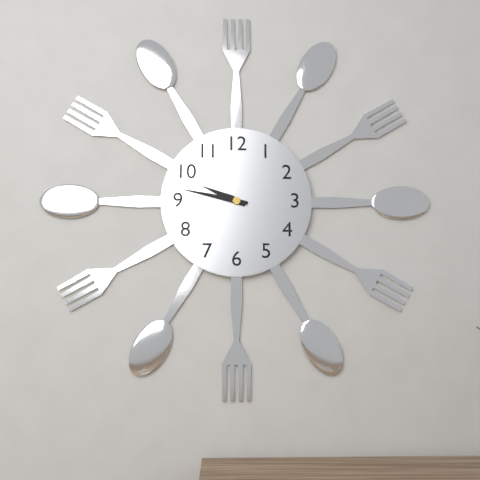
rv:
9 h 47 min
